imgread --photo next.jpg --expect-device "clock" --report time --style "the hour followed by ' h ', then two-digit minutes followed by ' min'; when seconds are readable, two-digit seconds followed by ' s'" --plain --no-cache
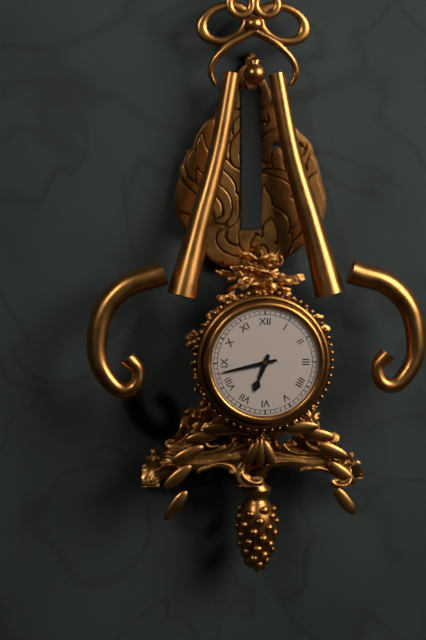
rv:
6 h 43 min
